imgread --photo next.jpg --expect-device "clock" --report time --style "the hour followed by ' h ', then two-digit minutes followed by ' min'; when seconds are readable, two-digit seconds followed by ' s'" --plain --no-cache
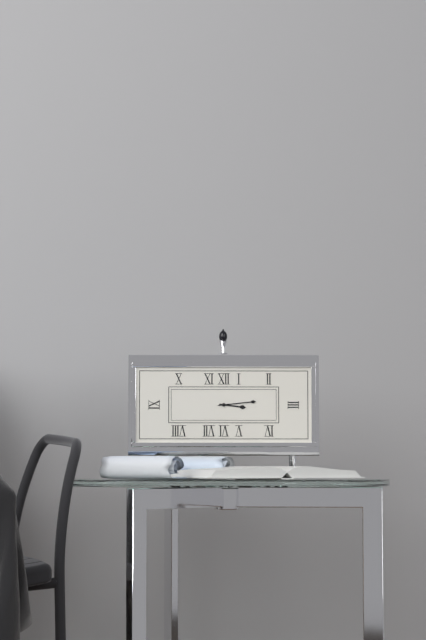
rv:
3 h 14 min
